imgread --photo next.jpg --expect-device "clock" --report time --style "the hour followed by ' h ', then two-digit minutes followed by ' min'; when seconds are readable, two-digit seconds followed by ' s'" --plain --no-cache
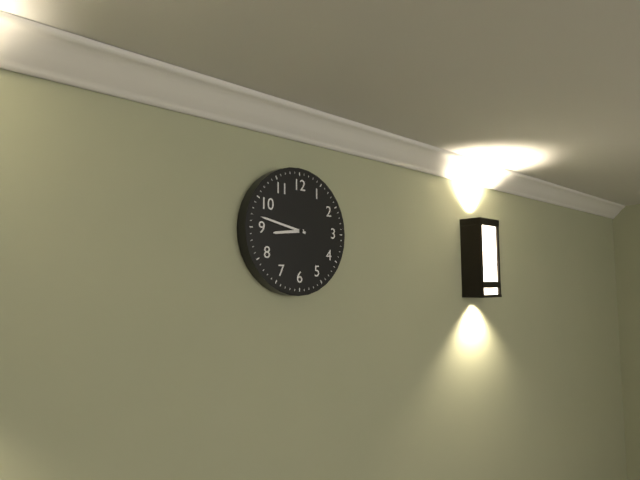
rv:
8 h 47 min
